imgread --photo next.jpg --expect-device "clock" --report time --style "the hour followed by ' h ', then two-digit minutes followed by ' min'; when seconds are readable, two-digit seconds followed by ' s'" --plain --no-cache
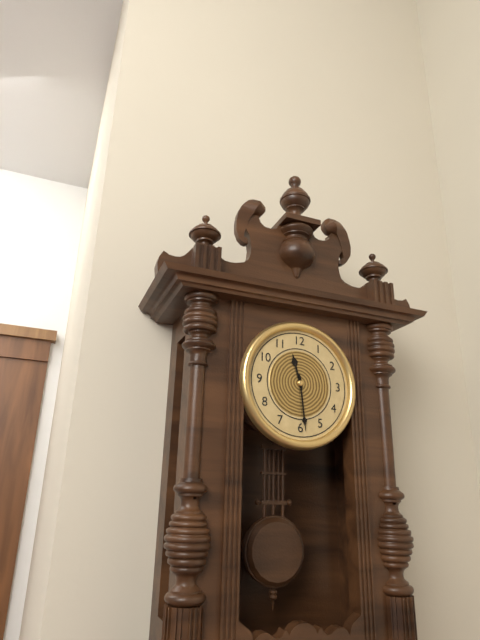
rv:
11 h 29 min
